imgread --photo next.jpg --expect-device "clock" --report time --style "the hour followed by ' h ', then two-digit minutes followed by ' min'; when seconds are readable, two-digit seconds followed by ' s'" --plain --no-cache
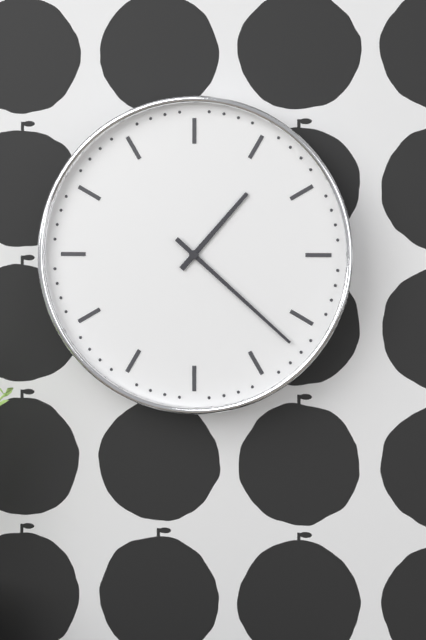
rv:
1 h 22 min
